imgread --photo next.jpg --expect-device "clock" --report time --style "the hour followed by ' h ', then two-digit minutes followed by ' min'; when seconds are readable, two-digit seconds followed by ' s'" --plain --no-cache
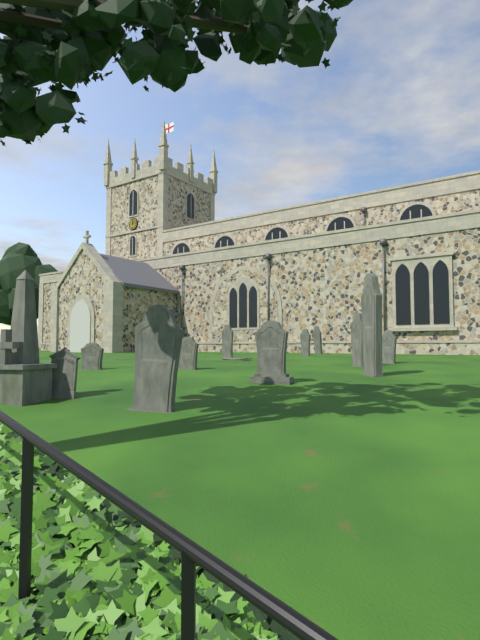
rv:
12 h 08 min
